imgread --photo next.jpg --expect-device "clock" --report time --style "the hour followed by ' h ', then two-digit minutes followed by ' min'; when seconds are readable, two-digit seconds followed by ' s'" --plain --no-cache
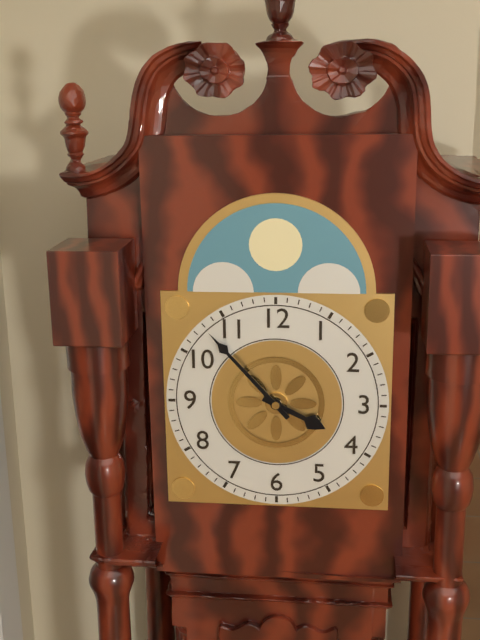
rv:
3 h 53 min
